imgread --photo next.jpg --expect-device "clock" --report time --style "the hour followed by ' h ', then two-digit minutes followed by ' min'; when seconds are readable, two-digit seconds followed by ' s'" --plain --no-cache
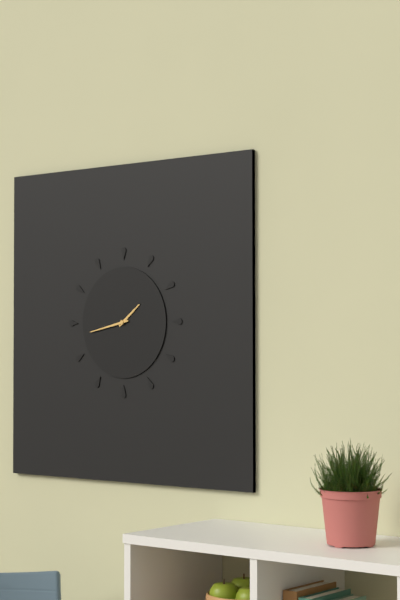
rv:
1 h 43 min
